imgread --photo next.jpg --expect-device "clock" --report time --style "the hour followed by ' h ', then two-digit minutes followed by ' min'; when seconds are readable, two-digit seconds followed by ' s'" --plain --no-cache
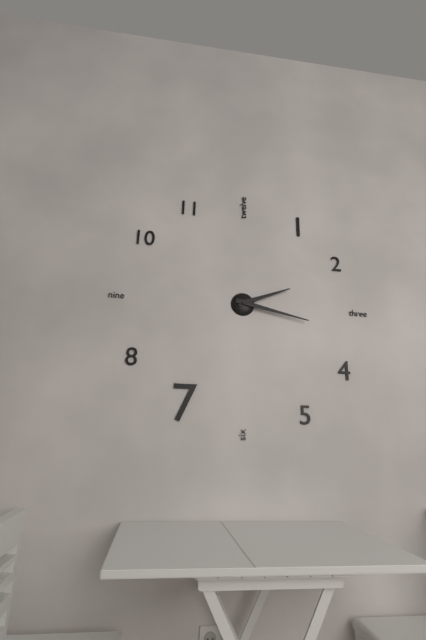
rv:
2 h 17 min
